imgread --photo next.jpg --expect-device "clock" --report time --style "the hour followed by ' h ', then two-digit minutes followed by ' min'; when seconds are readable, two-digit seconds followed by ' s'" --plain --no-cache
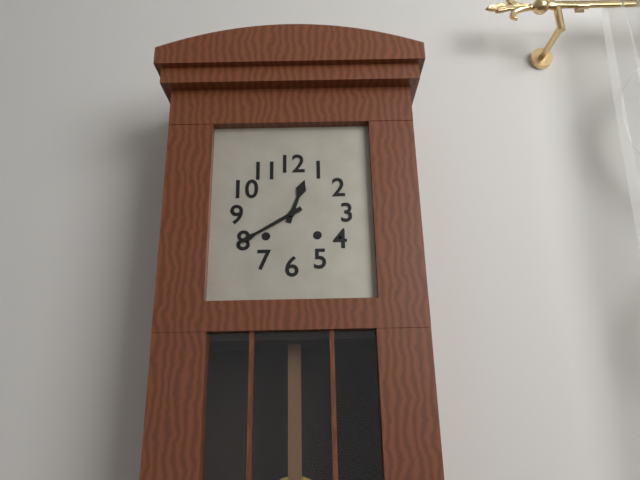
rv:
12 h 40 min
